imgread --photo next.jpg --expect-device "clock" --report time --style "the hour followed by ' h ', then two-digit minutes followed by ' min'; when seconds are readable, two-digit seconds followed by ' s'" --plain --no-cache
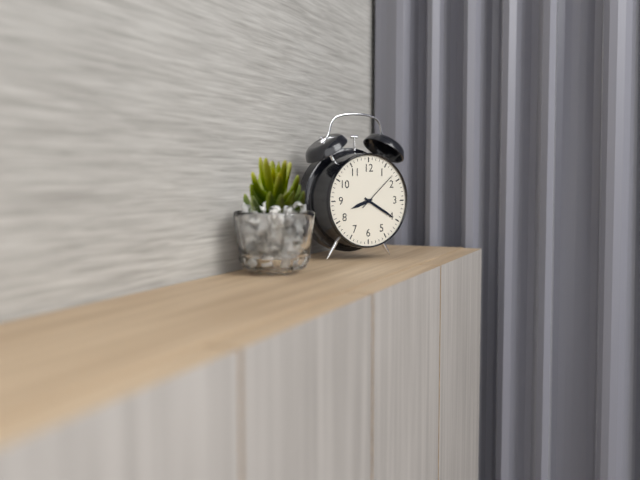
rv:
8 h 20 min 08 s
